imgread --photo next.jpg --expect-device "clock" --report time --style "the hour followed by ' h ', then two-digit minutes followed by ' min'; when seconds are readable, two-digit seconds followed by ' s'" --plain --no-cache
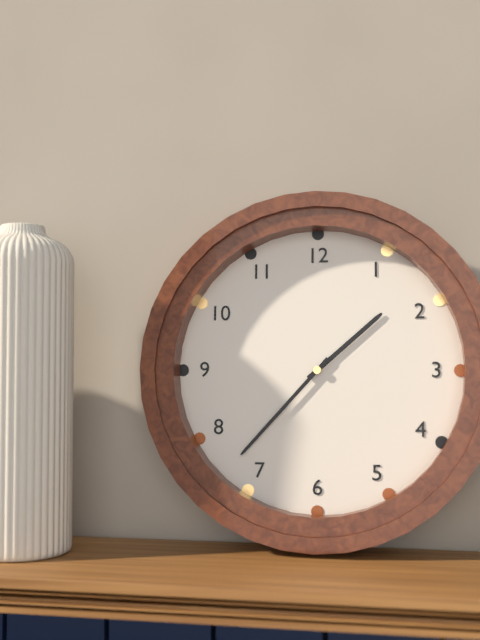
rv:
1 h 37 min
